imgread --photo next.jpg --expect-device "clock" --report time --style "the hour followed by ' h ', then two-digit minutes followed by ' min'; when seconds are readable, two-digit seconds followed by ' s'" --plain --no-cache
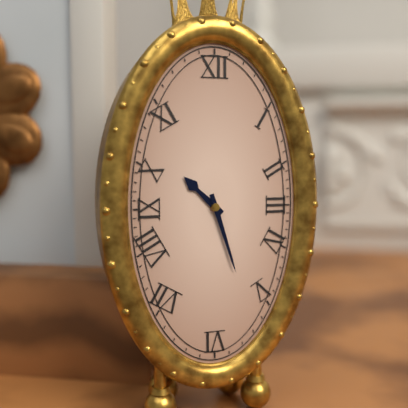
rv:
10 h 27 min
